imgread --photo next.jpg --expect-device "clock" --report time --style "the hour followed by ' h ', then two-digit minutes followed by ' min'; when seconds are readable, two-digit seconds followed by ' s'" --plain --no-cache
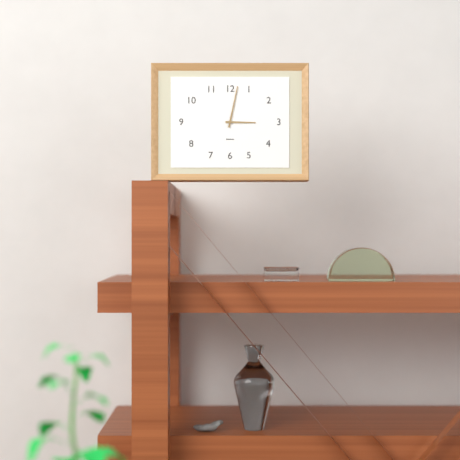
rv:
3 h 02 min
